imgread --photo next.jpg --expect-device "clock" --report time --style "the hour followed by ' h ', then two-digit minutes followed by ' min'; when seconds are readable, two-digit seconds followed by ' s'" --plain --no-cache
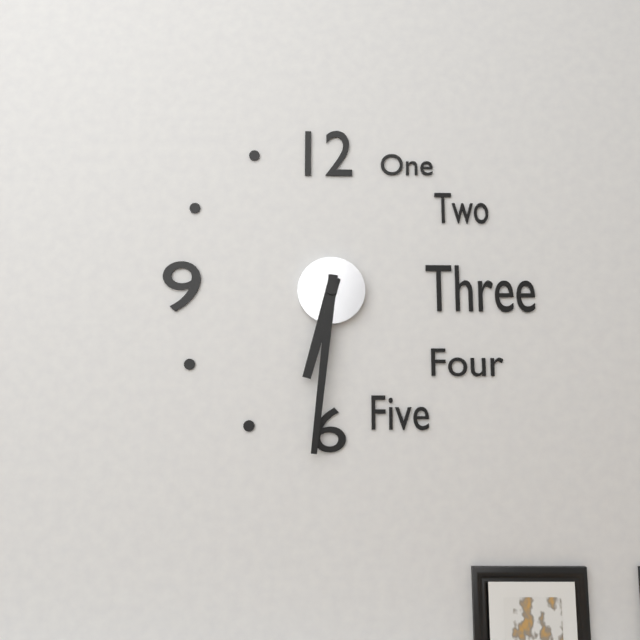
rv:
6 h 31 min
